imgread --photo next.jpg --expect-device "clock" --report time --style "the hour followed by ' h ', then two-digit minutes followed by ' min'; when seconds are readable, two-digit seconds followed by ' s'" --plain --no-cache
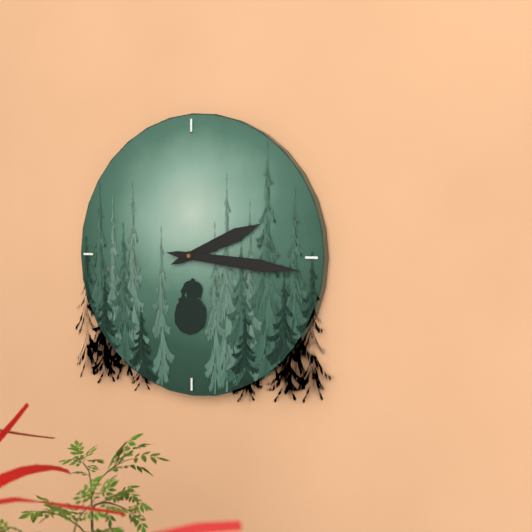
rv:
2 h 16 min
